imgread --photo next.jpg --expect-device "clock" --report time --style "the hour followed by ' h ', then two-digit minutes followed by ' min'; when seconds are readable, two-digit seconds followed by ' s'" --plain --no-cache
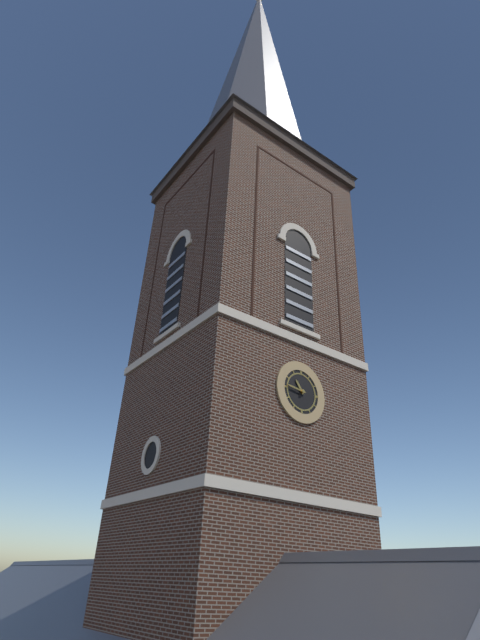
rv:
10 h 46 min
